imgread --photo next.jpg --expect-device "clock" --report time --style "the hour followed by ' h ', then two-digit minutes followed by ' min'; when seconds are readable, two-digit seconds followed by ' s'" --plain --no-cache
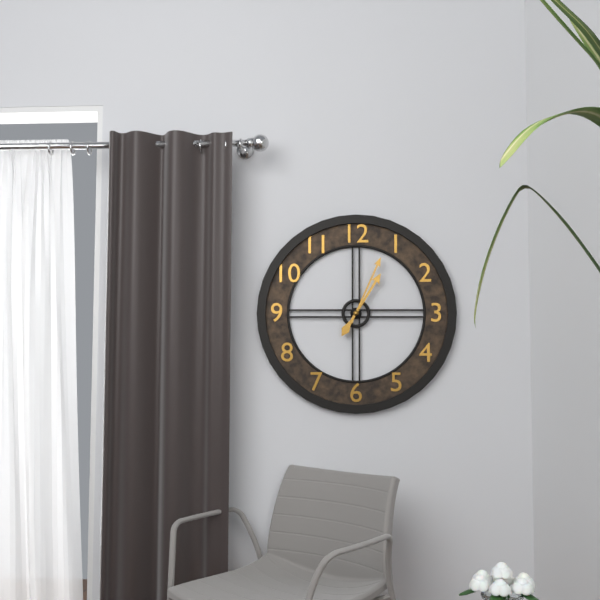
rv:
1 h 04 min
